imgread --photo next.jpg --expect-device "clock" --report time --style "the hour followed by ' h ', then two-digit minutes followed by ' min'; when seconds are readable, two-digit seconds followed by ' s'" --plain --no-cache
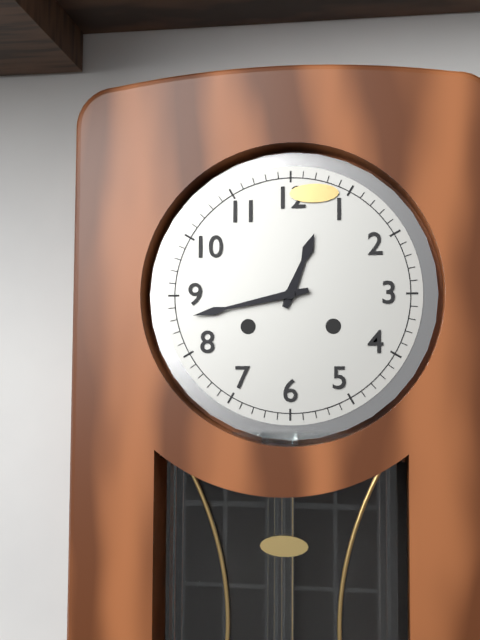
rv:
12 h 43 min
